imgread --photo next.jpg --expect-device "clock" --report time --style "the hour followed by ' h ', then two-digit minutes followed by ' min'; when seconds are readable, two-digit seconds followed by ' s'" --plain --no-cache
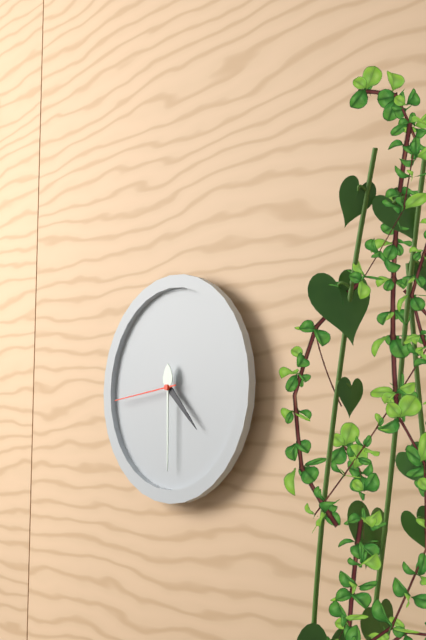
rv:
4 h 30 min 44 s
